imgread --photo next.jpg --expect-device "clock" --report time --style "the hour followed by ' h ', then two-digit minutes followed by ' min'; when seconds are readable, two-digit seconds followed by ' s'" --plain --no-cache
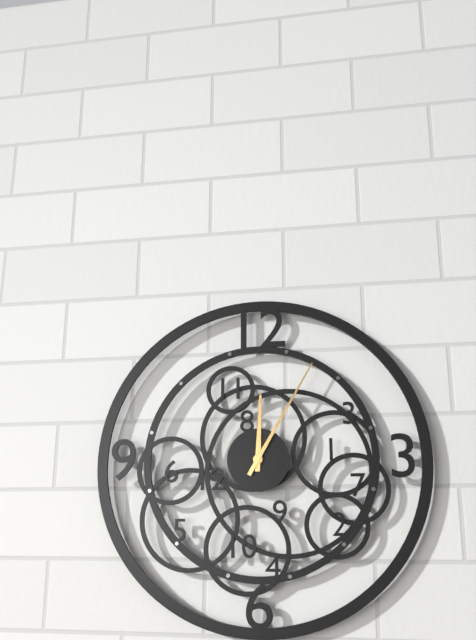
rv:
12 h 05 min
